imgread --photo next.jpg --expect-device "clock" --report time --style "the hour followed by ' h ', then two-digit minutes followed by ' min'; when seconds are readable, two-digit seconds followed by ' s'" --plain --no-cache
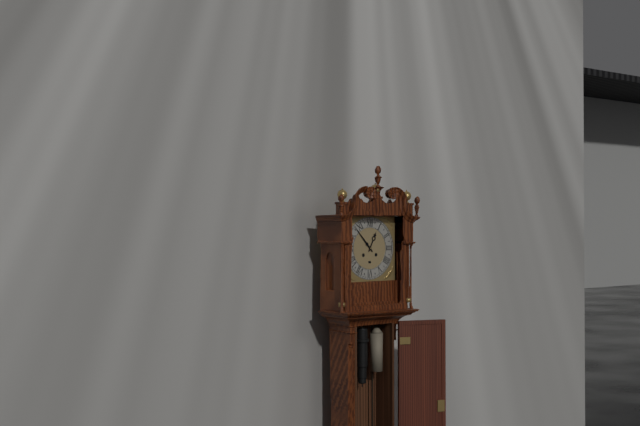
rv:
12 h 53 min
